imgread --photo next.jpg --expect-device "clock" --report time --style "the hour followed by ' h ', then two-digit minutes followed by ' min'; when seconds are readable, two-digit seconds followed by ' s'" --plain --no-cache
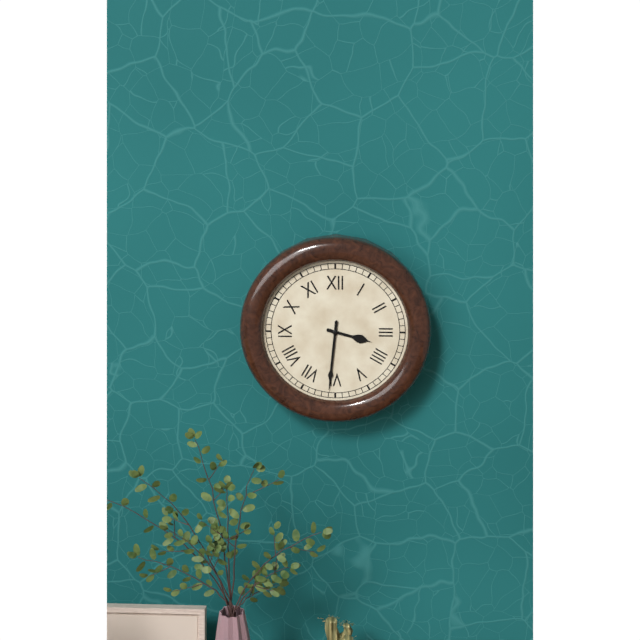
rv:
3 h 31 min
